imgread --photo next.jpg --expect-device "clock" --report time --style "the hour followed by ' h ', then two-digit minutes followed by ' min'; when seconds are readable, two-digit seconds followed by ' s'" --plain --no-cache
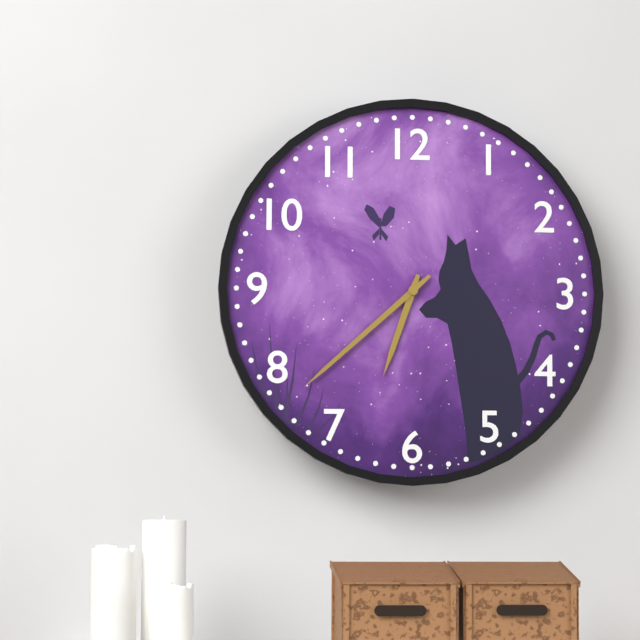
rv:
6 h 38 min
